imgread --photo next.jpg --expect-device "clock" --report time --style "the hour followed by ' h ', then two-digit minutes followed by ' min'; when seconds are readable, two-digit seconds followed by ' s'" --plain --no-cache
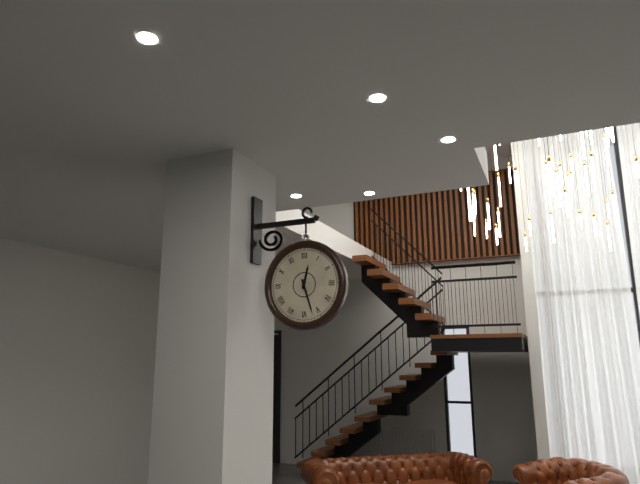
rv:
12 h 27 min
